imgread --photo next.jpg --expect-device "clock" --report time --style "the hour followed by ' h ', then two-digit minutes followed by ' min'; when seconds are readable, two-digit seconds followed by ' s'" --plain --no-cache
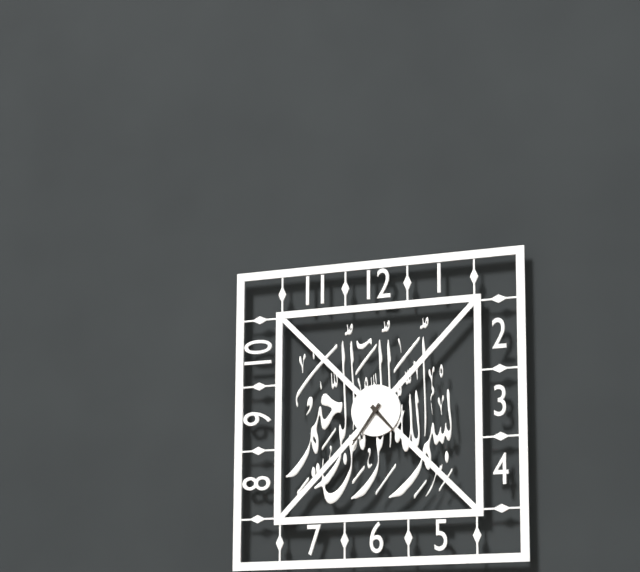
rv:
4 h 36 min
